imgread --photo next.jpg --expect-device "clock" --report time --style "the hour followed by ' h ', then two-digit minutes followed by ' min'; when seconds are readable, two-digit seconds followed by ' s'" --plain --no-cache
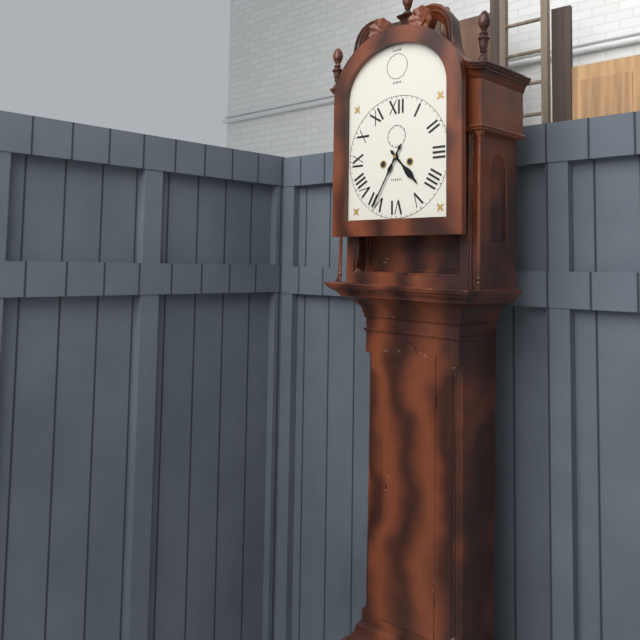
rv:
4 h 35 min
